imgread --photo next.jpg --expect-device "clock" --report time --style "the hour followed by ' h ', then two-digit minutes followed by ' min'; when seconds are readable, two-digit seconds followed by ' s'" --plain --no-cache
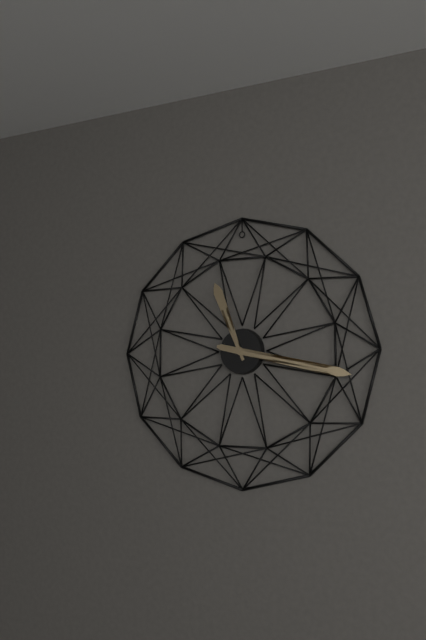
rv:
11 h 17 min
